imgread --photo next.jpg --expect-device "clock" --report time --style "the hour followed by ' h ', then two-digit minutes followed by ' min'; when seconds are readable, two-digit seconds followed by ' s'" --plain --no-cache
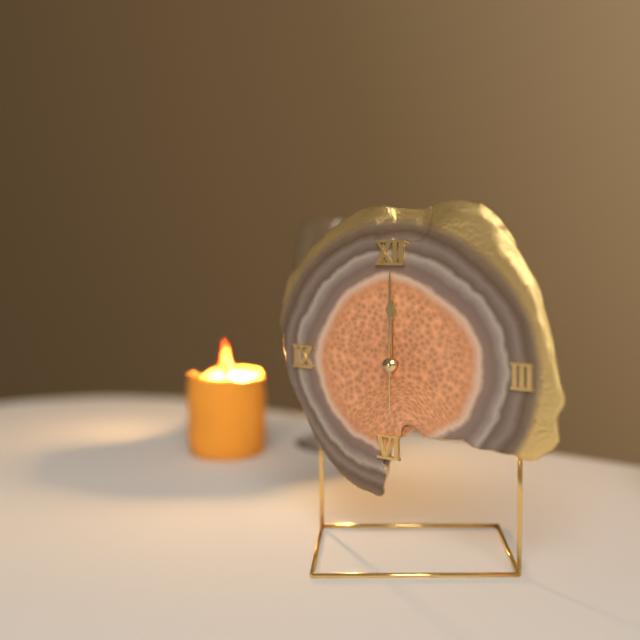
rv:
12 h 00 min
